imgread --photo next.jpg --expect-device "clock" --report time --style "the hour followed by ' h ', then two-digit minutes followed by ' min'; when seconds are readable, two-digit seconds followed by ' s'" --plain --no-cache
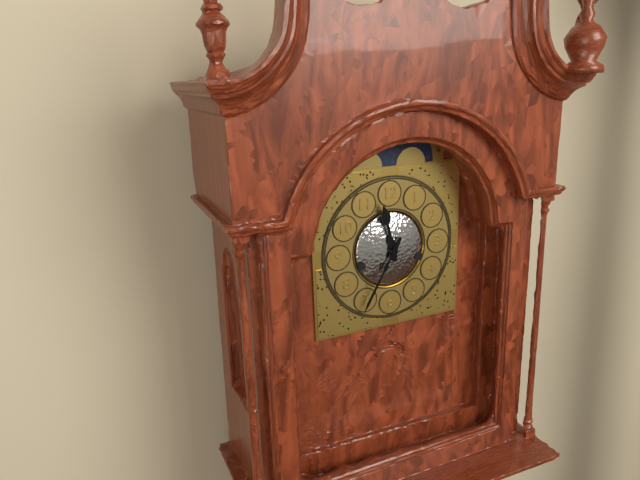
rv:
11 h 35 min
